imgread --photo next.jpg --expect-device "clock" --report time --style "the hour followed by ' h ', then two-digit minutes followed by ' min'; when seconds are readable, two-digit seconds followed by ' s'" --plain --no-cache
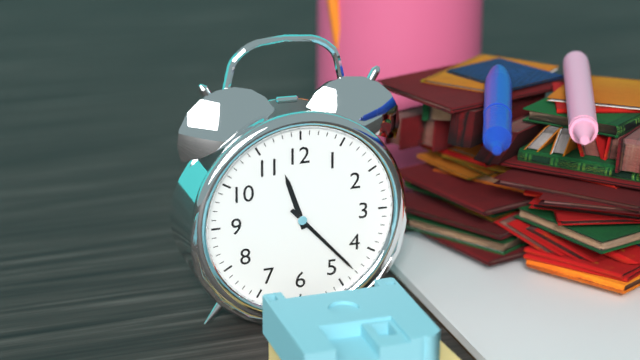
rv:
11 h 23 min
